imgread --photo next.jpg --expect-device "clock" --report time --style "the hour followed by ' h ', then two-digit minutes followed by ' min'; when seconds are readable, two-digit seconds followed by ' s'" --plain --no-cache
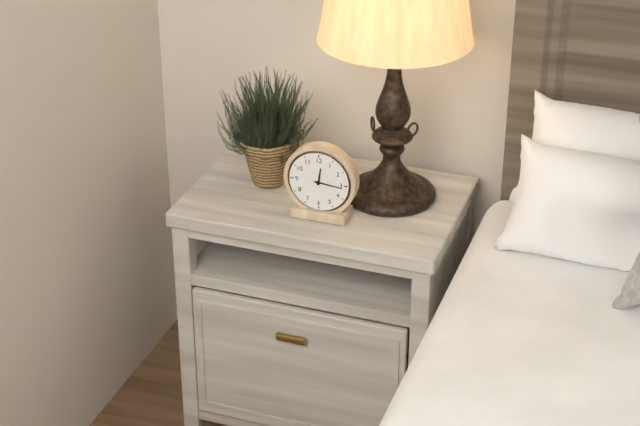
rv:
12 h 16 min
